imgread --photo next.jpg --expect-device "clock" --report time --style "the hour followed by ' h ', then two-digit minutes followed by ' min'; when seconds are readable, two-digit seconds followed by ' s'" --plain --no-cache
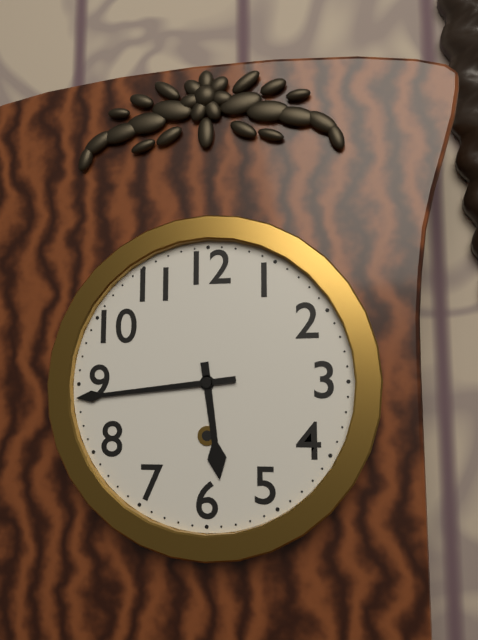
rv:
5 h 44 min
